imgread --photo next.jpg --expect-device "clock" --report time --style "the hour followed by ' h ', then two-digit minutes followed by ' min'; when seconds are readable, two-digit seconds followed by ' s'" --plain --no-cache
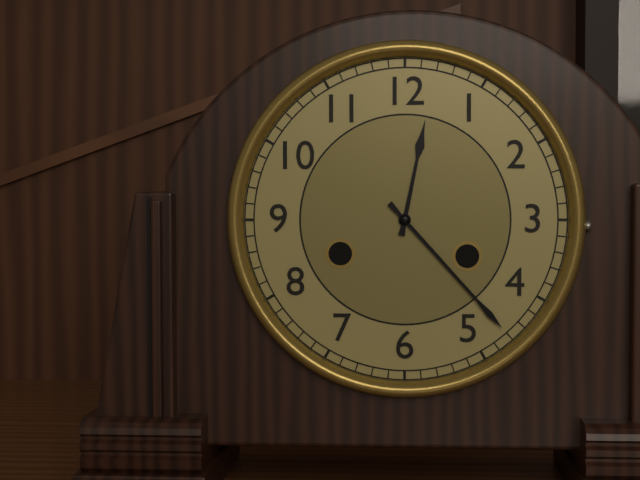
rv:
12 h 23 min
